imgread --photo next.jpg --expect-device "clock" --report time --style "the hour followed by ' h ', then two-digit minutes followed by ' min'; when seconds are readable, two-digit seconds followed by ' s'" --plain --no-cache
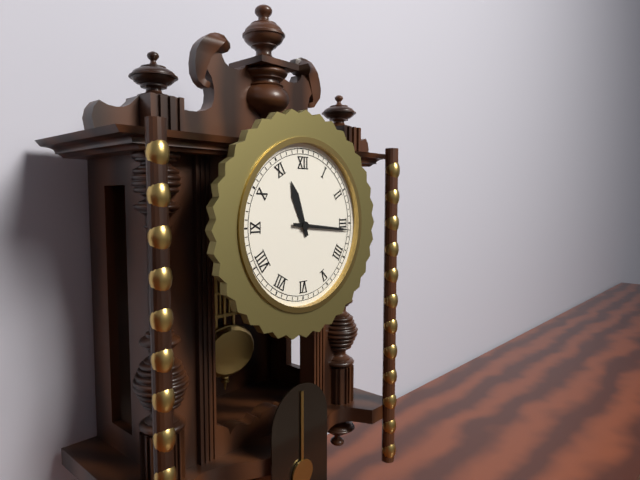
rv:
11 h 16 min
